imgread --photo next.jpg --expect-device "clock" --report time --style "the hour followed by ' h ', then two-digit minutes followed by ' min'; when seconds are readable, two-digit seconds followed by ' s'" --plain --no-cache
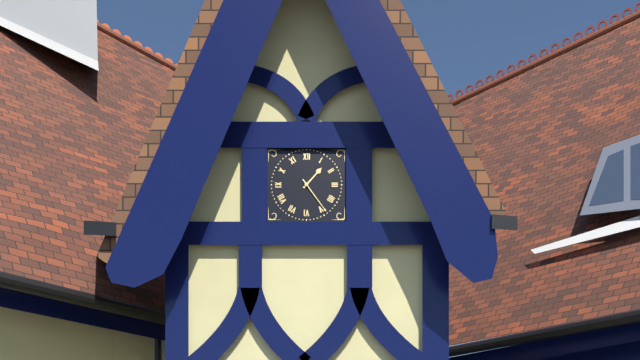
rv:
1 h 24 min
